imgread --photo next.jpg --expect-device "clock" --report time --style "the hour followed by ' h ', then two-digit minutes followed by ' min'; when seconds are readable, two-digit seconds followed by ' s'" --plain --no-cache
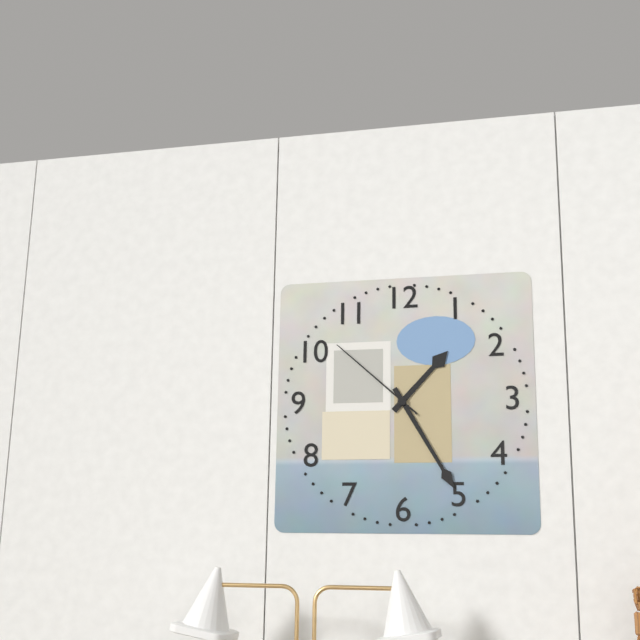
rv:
1 h 25 min 52 s
